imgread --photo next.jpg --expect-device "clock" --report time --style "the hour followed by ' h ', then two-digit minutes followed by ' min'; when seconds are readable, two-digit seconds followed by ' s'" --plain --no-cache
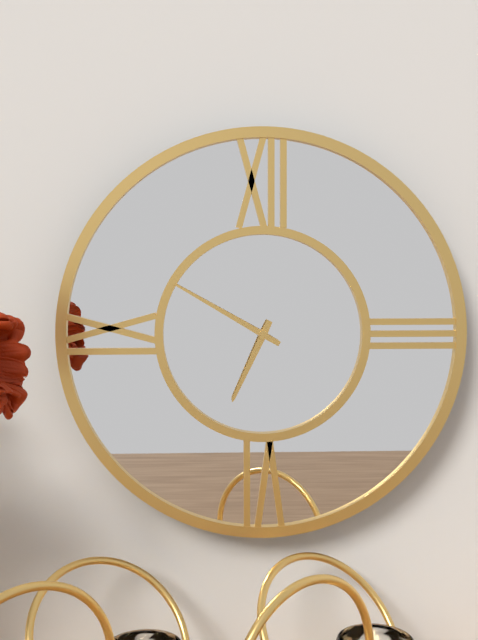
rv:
6 h 50 min
